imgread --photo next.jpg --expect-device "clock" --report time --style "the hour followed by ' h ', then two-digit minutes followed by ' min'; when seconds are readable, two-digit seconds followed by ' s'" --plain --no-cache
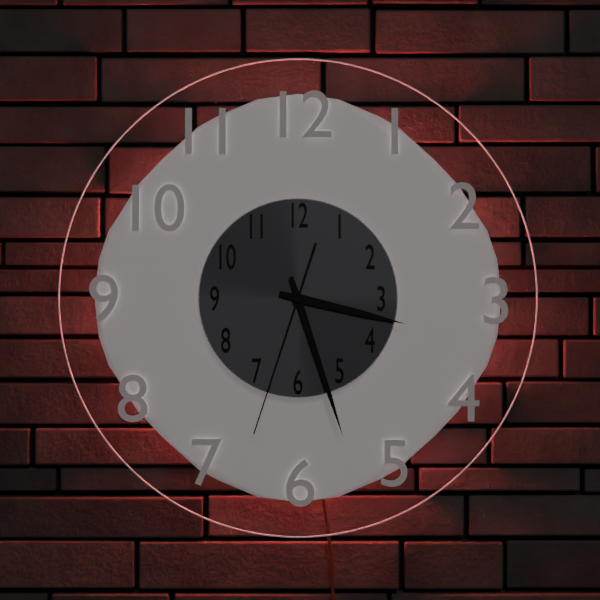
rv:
3 h 27 min 33 s
